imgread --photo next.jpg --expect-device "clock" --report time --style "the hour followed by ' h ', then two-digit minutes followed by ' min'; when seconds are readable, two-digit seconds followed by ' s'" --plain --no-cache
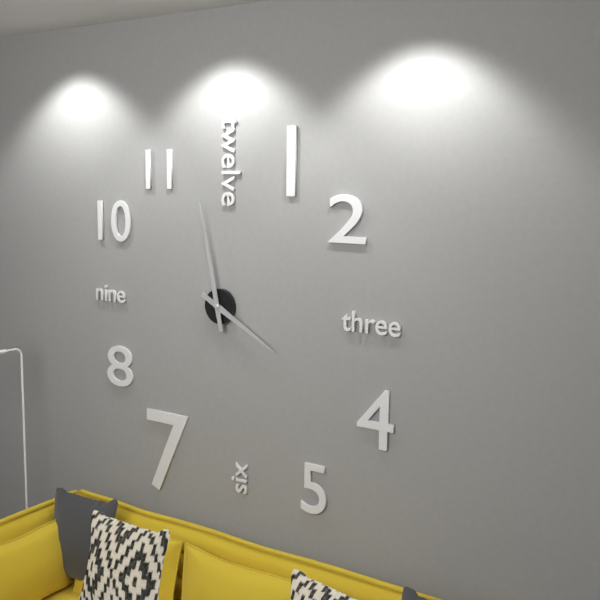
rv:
3 h 58 min
